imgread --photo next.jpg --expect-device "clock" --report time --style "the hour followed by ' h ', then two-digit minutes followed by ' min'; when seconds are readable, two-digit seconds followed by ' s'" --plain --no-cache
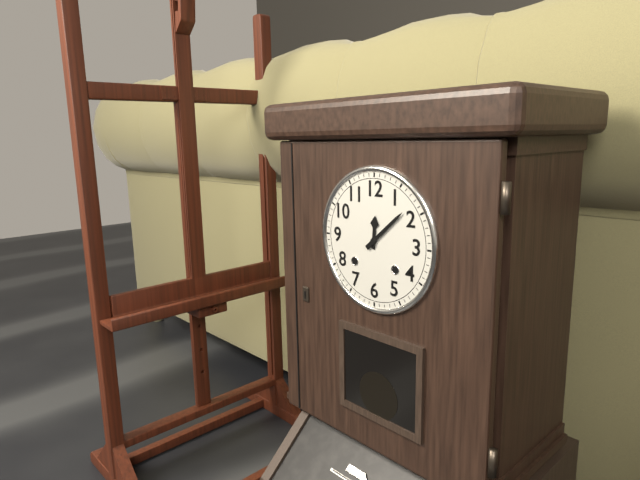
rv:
12 h 08 min
